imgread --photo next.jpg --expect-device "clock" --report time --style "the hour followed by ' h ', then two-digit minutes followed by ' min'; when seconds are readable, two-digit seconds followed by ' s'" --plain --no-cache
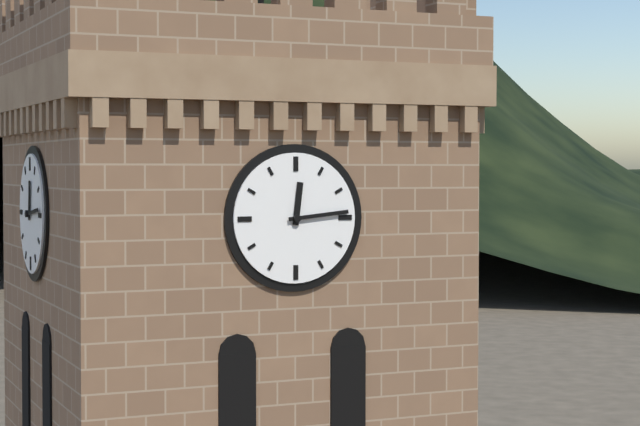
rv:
12 h 14 min
